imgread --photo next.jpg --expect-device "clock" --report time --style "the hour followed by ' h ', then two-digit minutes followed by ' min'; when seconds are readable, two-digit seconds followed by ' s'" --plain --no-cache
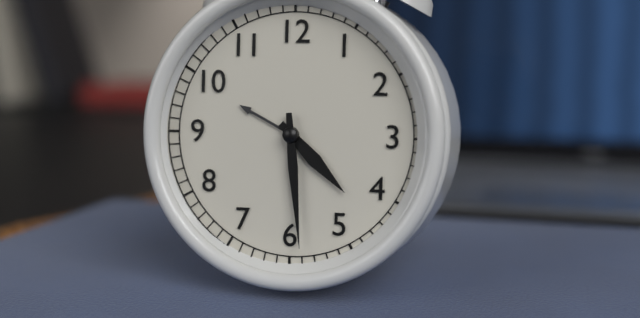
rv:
4 h 29 min
